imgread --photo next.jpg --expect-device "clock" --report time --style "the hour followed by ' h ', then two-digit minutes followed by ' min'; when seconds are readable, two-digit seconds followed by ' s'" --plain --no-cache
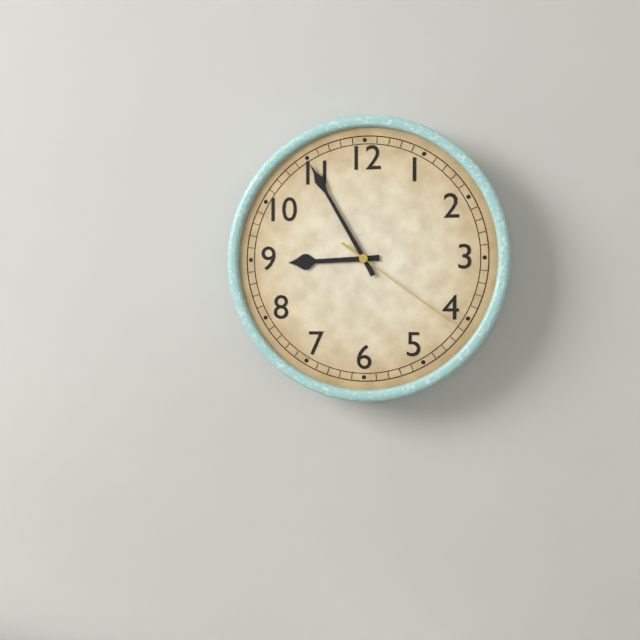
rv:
8 h 55 min 21 s
